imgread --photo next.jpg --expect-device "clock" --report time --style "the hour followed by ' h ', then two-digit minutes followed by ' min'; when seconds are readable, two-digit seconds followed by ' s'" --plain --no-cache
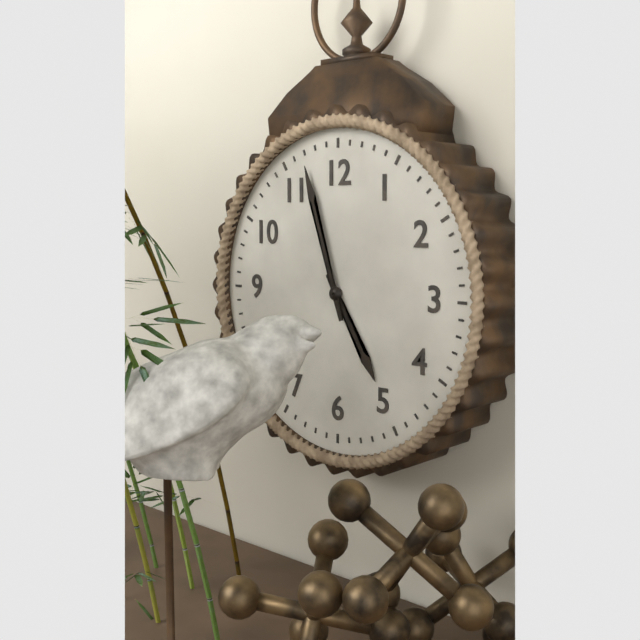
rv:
4 h 57 min
